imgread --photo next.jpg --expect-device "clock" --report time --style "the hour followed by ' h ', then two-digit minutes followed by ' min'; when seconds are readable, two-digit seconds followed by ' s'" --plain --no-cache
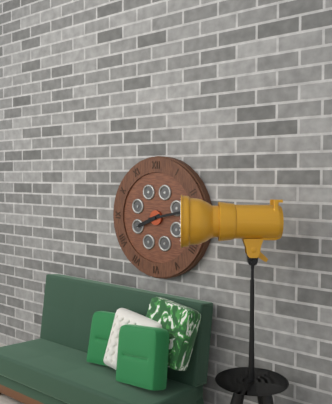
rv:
8 h 13 min
